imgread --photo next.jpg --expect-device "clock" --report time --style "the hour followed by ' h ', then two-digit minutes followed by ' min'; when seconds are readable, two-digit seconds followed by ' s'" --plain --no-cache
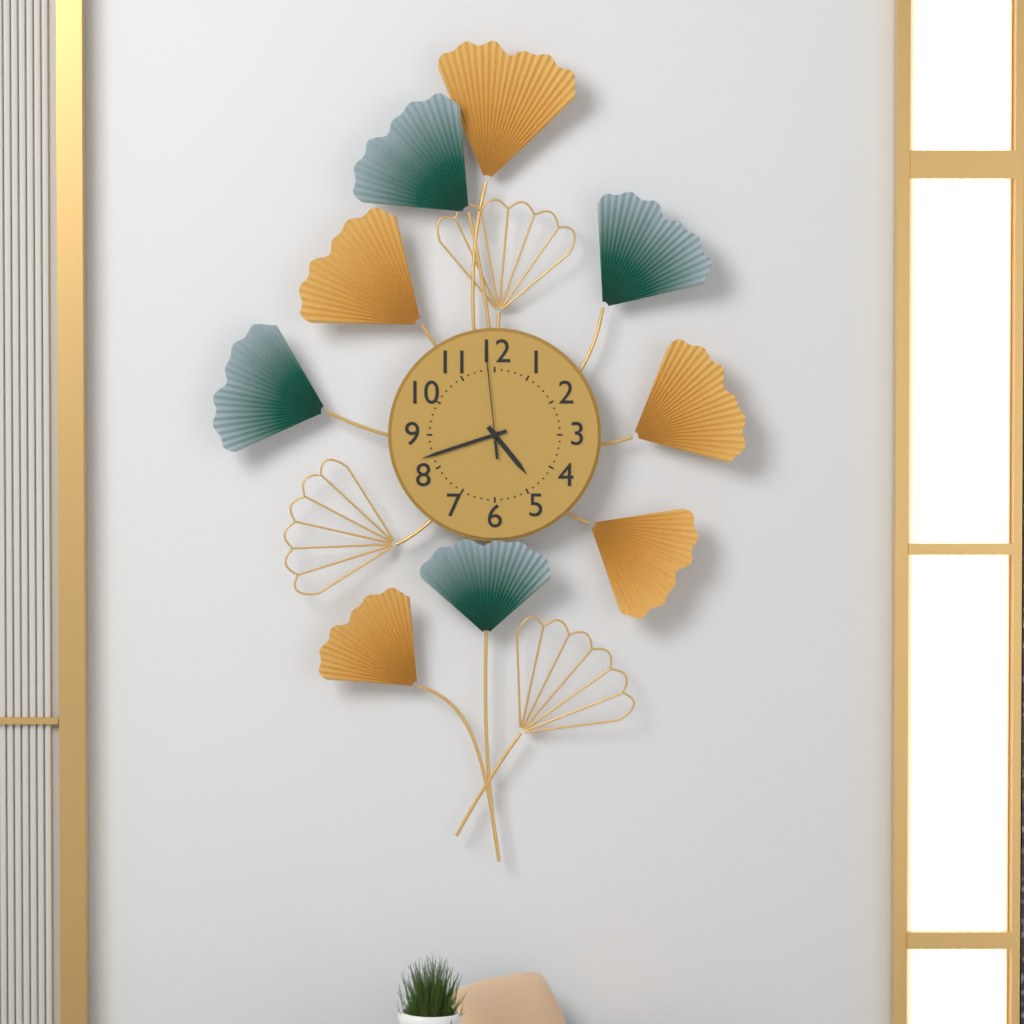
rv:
4 h 42 min 59 s
